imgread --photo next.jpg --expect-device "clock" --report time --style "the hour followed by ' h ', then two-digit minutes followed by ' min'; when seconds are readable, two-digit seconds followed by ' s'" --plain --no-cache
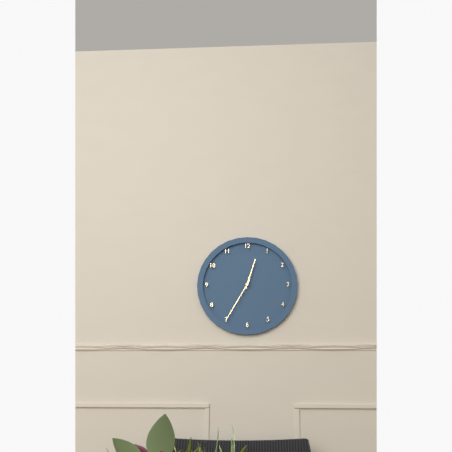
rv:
12 h 35 min
